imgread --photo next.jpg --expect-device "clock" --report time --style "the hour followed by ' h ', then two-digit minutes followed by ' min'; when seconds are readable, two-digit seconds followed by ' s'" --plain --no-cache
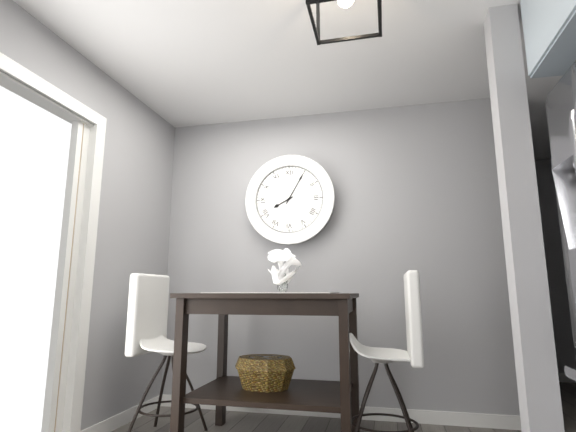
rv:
8 h 05 min
